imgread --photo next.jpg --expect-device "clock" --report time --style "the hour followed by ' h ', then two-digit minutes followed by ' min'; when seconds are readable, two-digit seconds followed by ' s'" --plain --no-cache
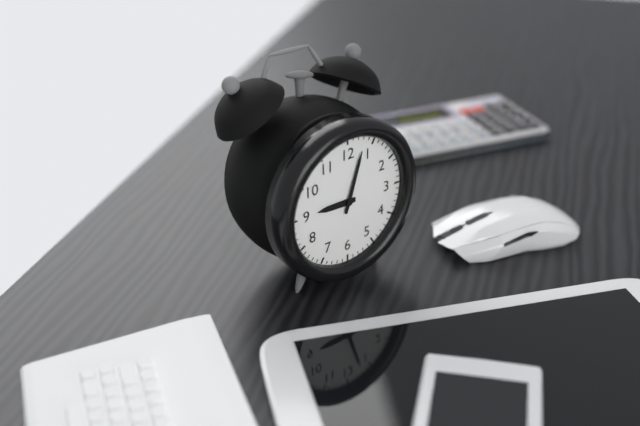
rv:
9 h 03 min
